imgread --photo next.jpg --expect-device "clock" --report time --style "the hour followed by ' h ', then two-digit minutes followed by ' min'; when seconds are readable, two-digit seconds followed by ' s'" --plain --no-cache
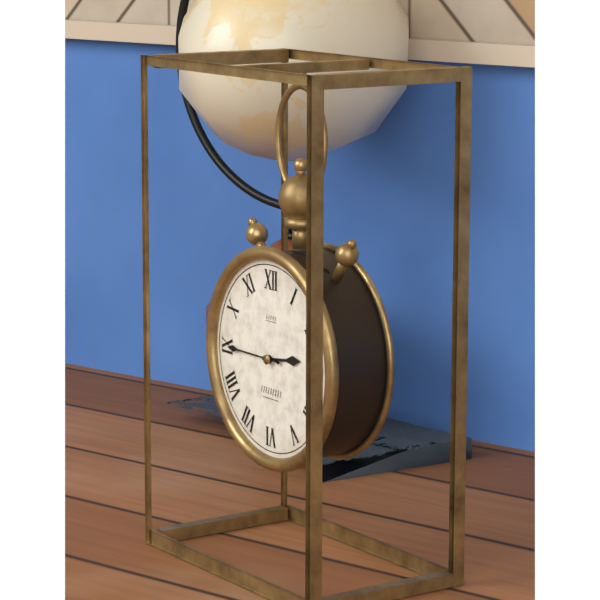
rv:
2 h 45 min
